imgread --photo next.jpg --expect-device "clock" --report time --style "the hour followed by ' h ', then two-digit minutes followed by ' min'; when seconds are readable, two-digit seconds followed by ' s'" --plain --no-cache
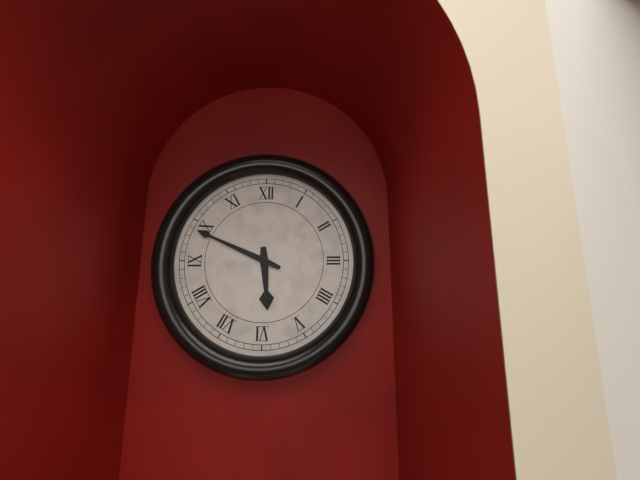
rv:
5 h 49 min
